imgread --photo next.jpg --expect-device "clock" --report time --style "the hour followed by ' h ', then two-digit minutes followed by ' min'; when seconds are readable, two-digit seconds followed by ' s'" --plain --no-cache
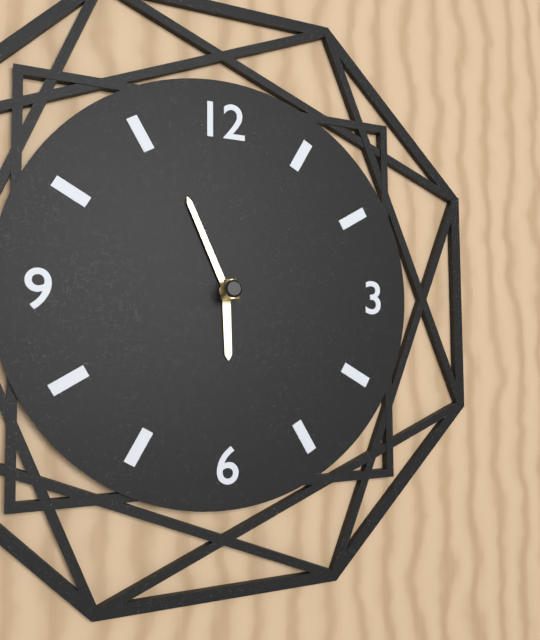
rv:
5 h 56 min
